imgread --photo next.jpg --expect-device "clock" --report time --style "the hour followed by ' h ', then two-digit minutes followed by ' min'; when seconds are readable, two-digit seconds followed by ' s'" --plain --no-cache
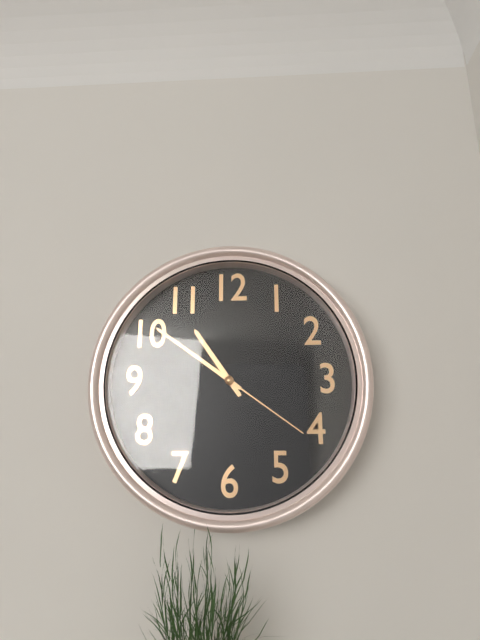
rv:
10 h 51 min 21 s
